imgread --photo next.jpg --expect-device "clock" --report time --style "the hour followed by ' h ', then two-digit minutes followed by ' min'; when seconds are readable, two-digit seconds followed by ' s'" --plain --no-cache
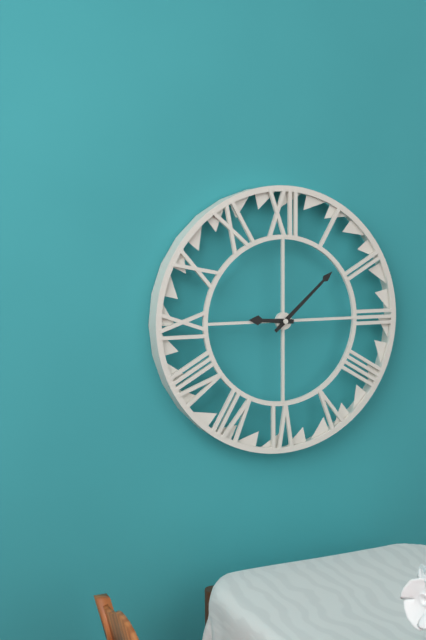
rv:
9 h 08 min
